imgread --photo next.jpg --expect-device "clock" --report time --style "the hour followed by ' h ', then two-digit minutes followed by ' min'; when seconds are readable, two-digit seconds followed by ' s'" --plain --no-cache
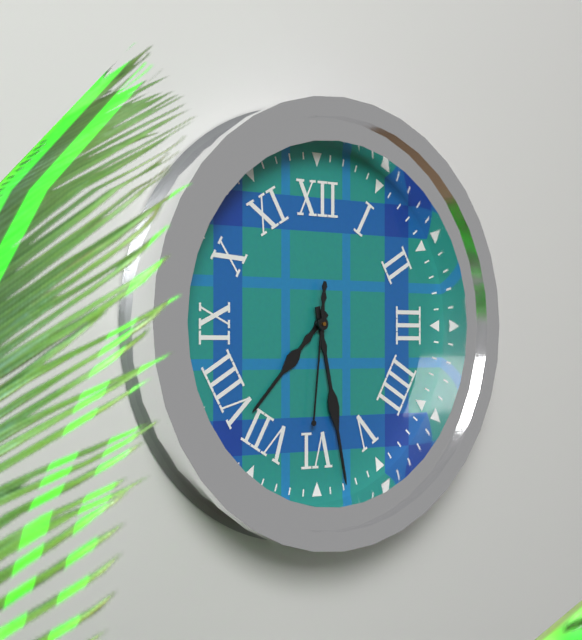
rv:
7 h 28 min 31 s
